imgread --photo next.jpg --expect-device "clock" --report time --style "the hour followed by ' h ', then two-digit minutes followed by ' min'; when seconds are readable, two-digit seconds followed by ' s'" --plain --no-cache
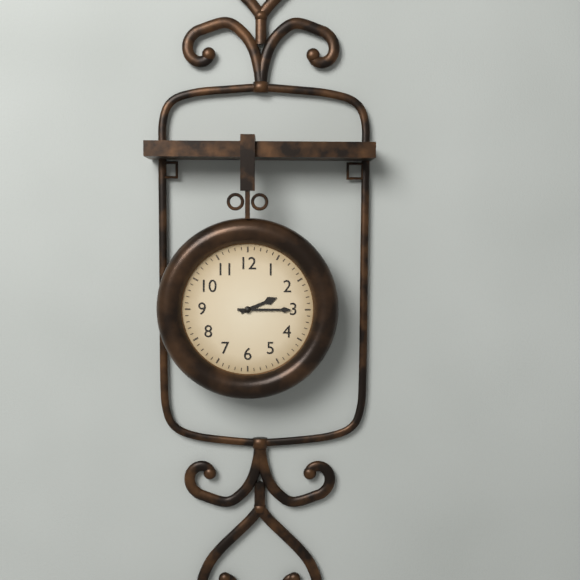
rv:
2 h 15 min
